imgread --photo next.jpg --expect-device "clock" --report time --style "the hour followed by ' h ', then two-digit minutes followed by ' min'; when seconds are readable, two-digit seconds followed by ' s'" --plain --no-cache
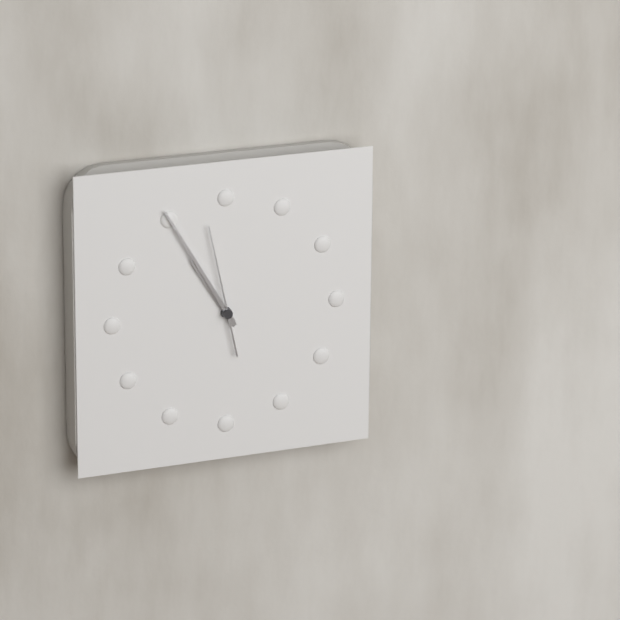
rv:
10 h 55 min 58 s
